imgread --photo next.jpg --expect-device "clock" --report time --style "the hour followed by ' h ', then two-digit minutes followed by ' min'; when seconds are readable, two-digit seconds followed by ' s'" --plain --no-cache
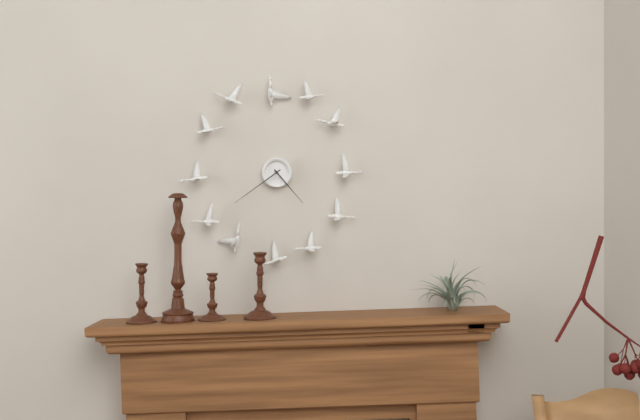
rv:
4 h 39 min
